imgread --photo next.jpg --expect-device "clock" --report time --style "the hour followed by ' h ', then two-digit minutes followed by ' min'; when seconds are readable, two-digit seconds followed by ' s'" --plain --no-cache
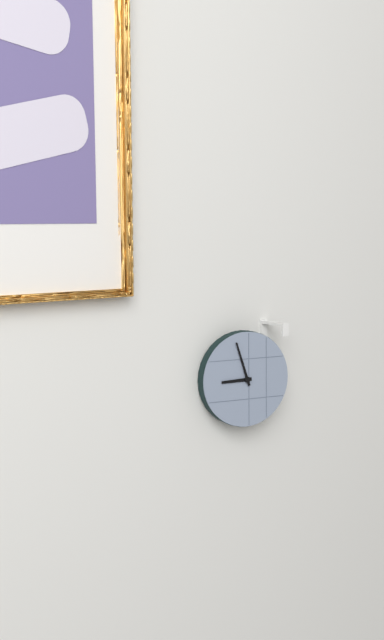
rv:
8 h 57 min
